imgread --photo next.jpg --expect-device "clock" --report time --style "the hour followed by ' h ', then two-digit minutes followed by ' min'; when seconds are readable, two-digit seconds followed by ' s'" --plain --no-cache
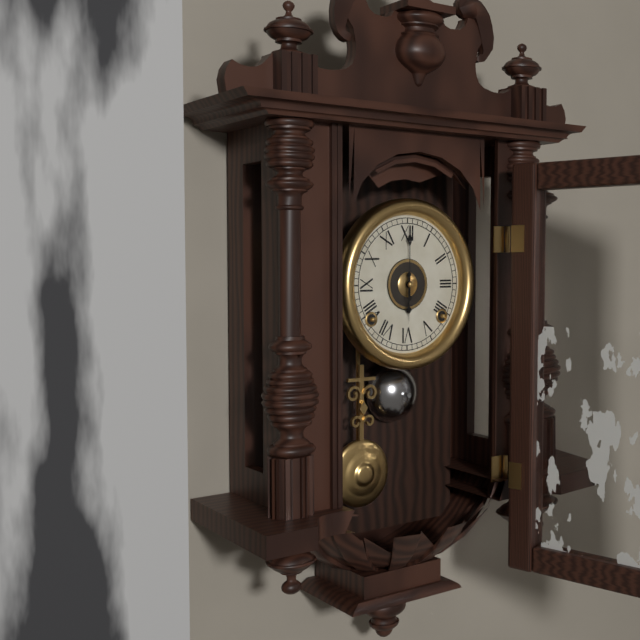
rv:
6 h 00 min
